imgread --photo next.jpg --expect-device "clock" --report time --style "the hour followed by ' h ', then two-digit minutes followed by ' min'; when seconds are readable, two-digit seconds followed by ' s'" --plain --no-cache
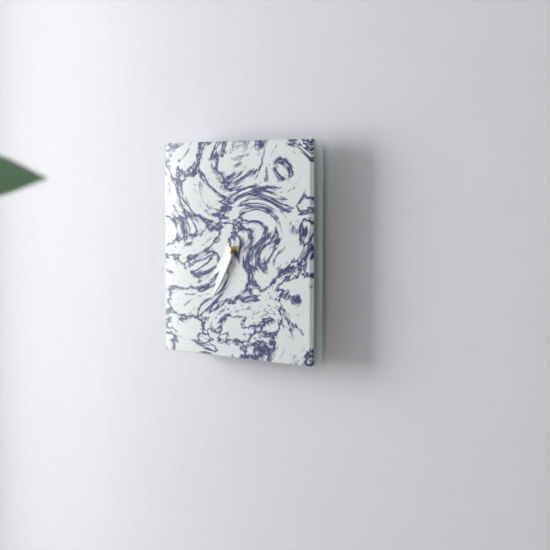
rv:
7 h 35 min
